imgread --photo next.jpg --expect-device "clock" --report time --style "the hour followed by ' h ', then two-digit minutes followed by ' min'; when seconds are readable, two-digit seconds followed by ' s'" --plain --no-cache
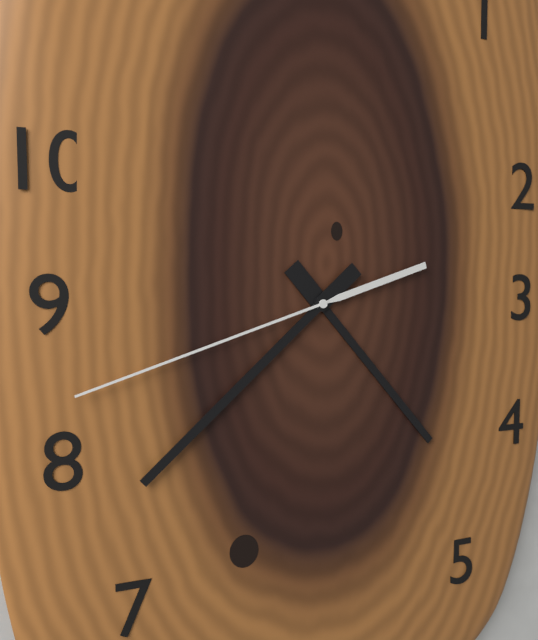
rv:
4 h 38 min 42 s
